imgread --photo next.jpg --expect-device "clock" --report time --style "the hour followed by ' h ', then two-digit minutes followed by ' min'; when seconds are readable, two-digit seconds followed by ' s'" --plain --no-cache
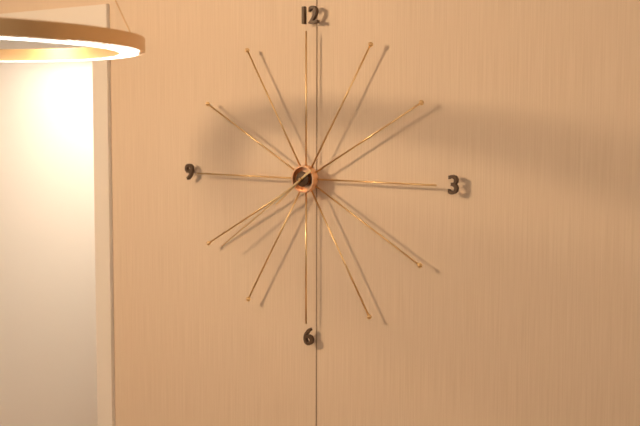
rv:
7 h 39 min
